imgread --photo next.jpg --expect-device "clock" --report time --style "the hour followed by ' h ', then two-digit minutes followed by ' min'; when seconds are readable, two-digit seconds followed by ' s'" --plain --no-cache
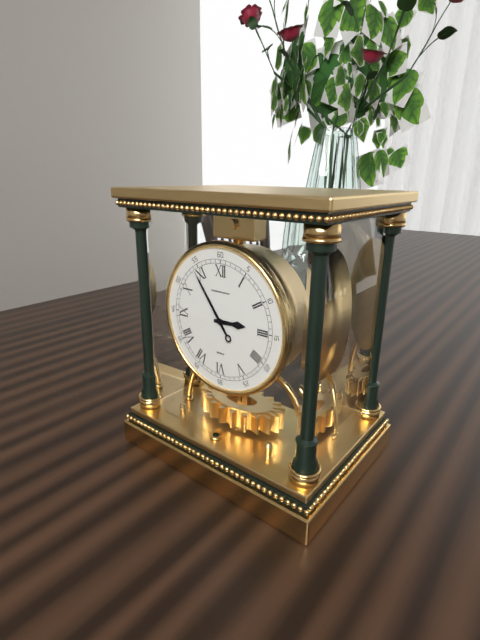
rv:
2 h 54 min
